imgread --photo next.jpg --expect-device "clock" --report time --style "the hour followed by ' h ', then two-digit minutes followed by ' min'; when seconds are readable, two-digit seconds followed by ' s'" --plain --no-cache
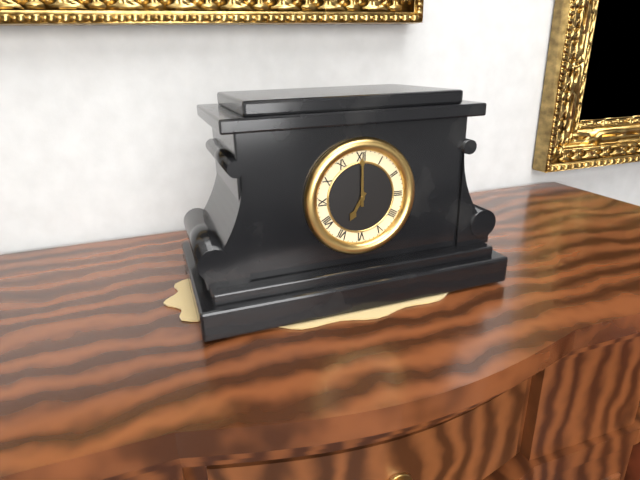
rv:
7 h 00 min
